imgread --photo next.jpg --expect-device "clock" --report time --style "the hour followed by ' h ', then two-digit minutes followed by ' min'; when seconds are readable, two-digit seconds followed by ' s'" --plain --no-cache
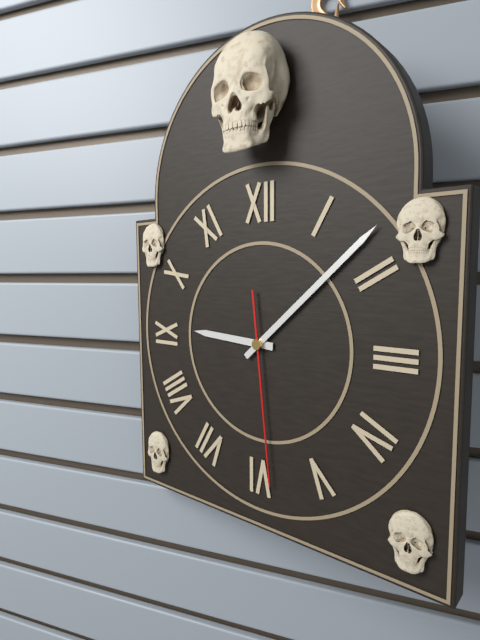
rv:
9 h 08 min 29 s
